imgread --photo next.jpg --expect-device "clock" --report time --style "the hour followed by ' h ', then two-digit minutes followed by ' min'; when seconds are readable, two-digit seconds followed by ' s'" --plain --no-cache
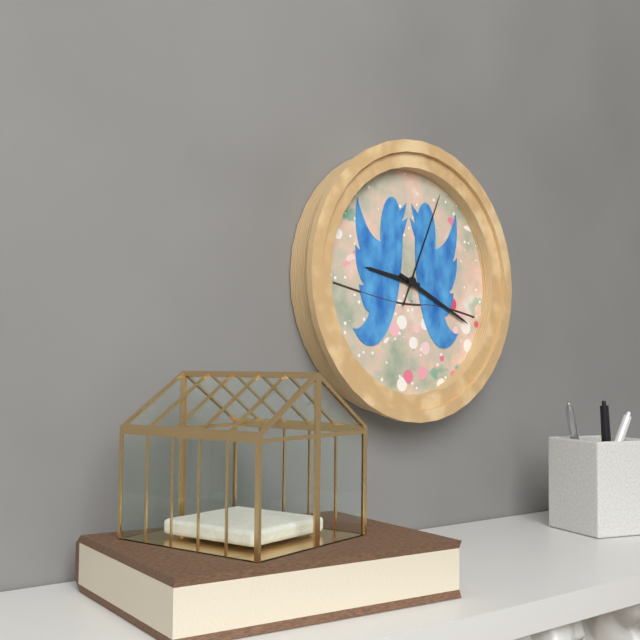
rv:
9 h 19 min 04 s
